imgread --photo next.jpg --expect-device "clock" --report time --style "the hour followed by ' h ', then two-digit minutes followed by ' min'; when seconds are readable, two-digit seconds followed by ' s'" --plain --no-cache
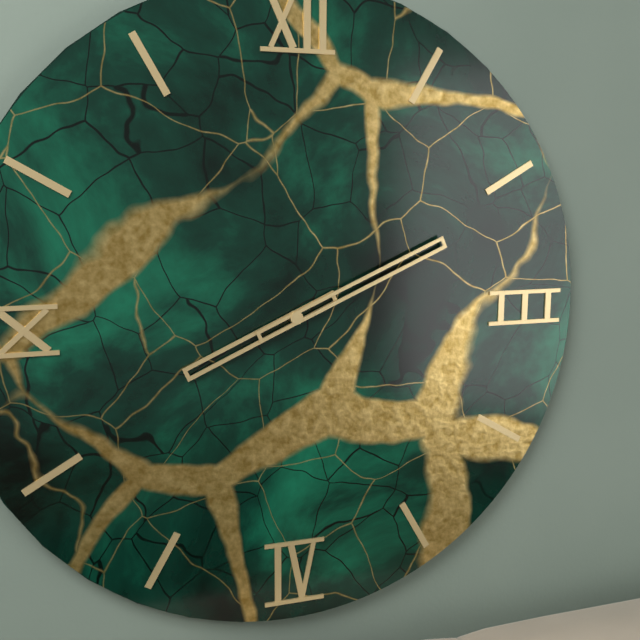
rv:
8 h 11 min
